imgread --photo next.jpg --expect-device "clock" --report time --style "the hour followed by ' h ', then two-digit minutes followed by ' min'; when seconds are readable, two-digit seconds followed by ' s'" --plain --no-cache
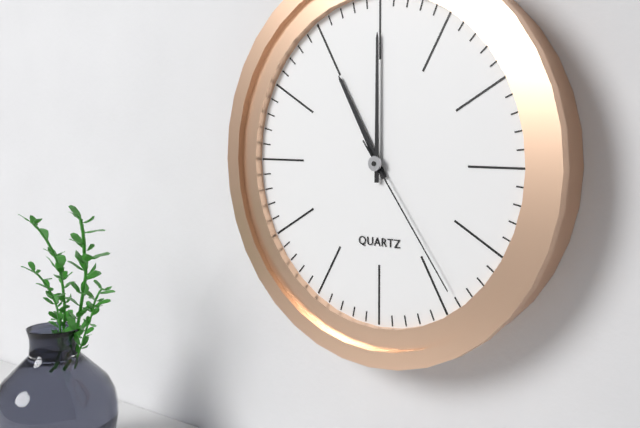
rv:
11 h 00 min 24 s
